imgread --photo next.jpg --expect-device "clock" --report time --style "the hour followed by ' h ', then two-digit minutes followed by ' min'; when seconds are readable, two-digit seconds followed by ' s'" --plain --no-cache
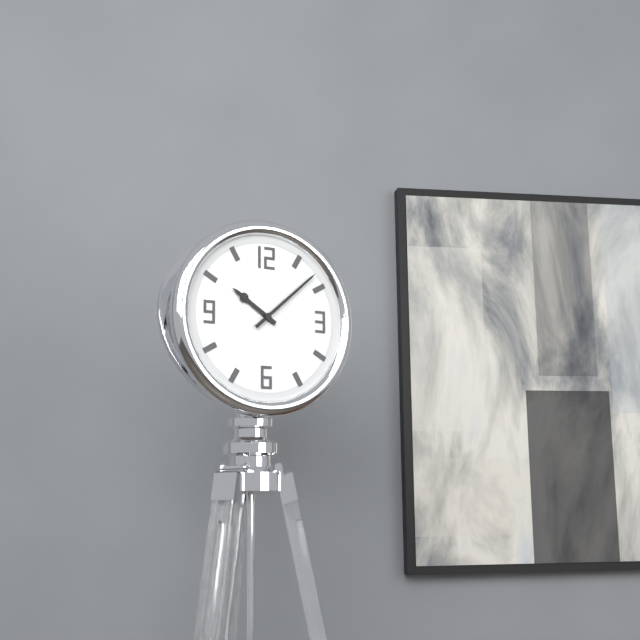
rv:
10 h 08 min
